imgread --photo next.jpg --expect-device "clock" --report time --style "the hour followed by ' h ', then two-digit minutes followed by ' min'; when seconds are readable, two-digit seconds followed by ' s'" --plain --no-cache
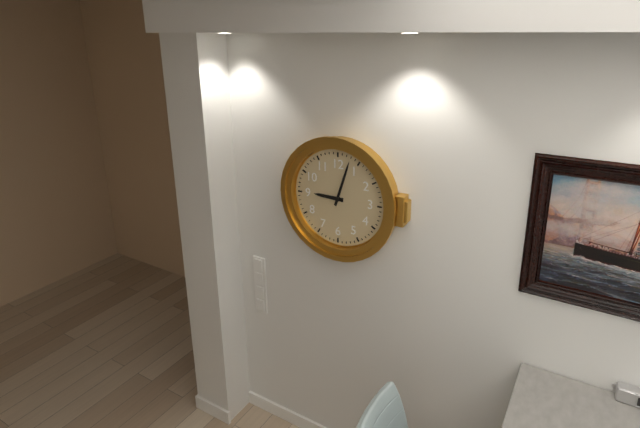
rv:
9 h 03 min
